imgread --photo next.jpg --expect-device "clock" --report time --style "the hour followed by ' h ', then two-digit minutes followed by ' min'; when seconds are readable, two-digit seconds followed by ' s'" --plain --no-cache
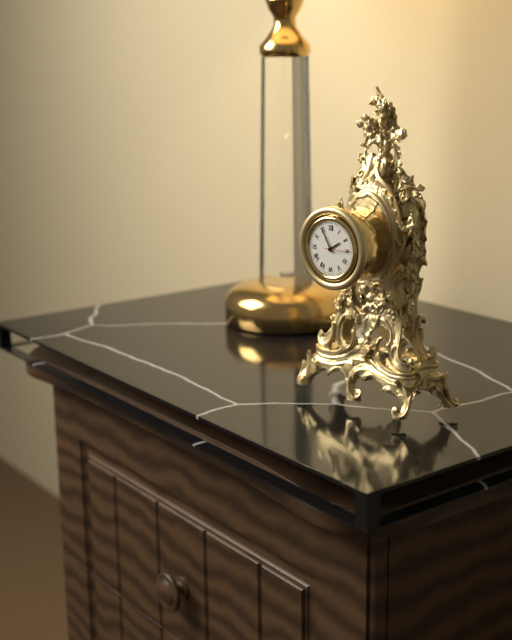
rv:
1 h 55 min
